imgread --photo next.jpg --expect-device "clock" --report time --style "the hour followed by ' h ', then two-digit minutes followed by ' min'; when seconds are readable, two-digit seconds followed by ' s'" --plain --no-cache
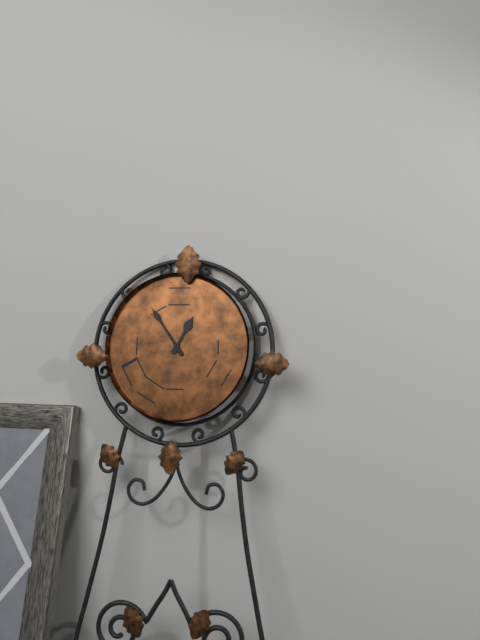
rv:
12 h 54 min
